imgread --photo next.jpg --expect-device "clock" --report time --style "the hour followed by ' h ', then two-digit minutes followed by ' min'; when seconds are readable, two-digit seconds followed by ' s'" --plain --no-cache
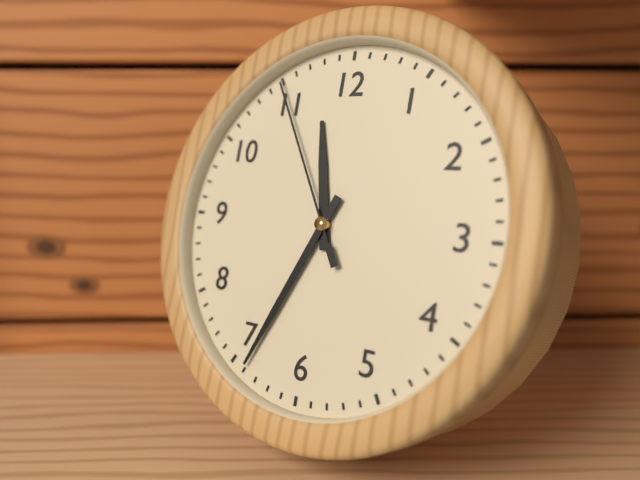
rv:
11 h 34 min 55 s
